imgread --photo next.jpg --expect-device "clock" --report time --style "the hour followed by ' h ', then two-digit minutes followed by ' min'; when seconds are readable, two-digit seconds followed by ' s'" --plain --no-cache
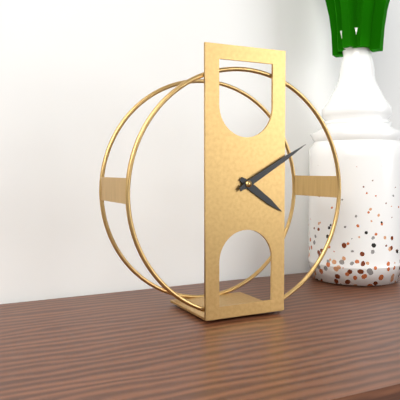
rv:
4 h 10 min
